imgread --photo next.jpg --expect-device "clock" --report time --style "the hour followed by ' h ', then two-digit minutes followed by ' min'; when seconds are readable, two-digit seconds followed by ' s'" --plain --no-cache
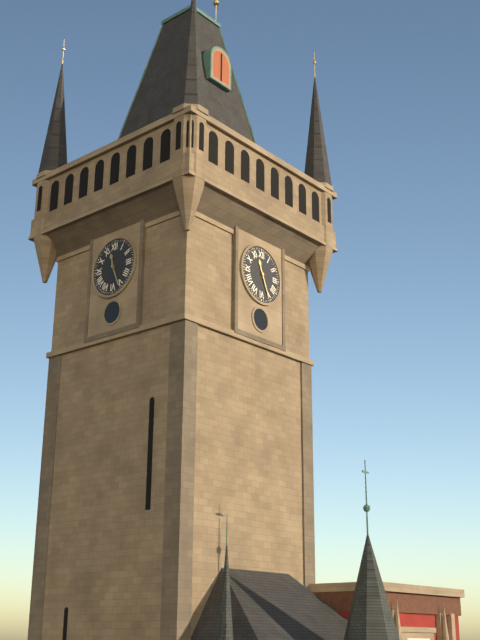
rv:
11 h 26 min
